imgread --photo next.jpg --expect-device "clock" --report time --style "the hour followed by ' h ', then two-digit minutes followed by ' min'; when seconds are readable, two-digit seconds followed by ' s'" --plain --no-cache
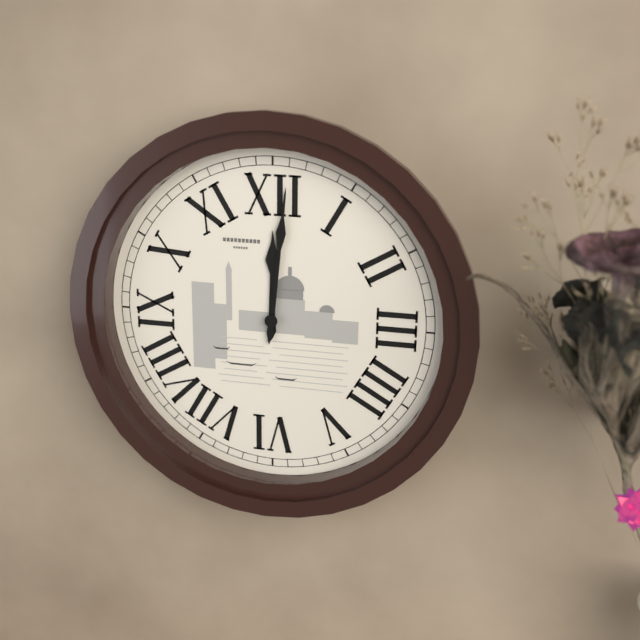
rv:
12 h 01 min
